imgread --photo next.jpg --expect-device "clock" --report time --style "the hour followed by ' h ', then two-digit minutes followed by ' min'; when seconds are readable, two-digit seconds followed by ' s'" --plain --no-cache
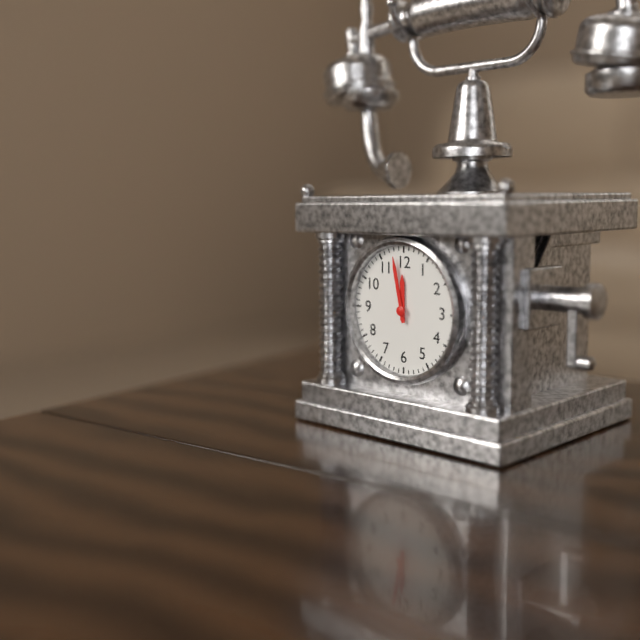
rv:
11 h 58 min
